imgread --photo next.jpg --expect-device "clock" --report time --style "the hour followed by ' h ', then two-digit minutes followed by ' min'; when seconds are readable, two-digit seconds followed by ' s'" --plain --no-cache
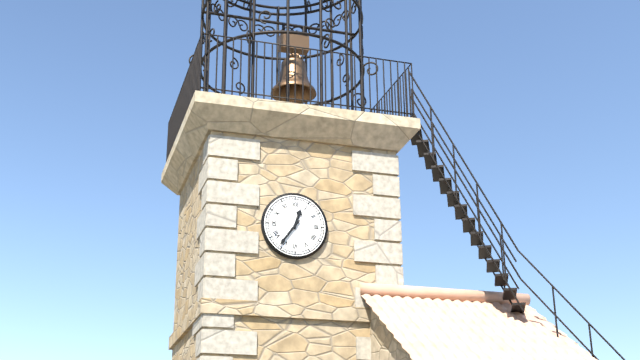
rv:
12 h 36 min
